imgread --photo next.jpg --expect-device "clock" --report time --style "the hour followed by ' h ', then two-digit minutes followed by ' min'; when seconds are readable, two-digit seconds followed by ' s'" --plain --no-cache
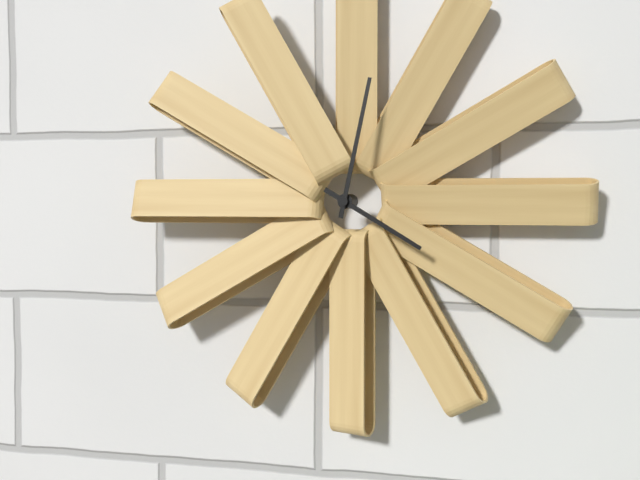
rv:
4 h 02 min
